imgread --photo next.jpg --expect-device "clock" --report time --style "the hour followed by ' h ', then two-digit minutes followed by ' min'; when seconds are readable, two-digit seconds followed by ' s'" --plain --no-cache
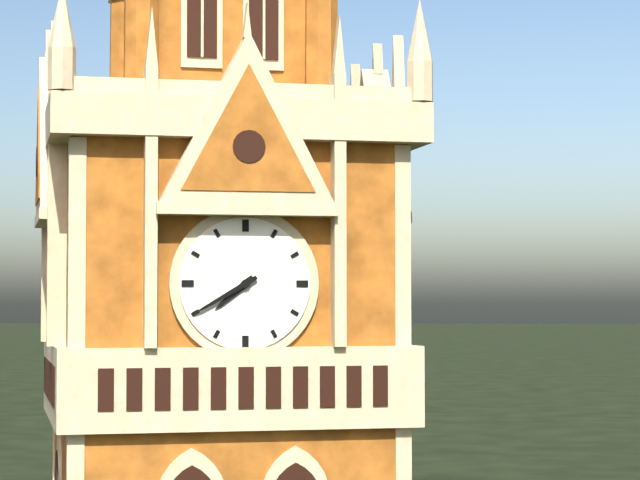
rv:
7 h 40 min
